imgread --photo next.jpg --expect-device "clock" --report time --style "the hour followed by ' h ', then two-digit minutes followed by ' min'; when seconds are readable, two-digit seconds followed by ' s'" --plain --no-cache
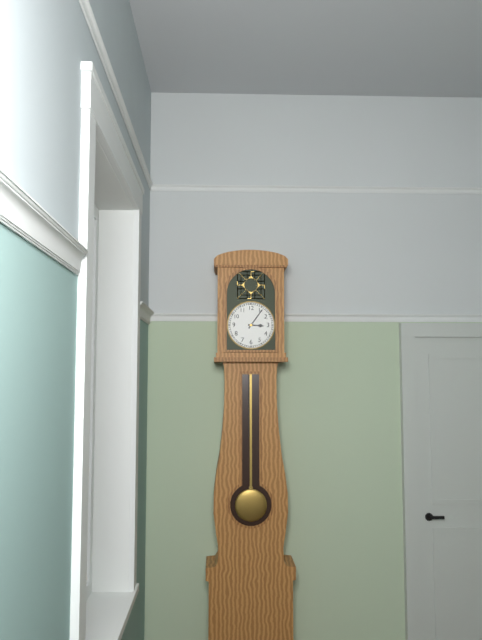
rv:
3 h 06 min
